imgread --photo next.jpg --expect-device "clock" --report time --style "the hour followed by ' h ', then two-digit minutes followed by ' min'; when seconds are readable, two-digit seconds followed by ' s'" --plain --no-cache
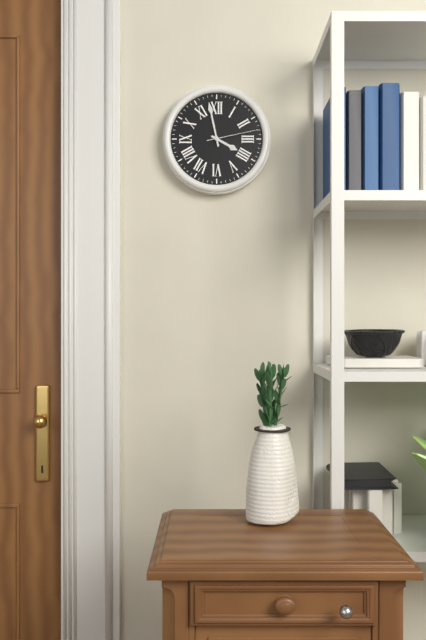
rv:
3 h 58 min 13 s
